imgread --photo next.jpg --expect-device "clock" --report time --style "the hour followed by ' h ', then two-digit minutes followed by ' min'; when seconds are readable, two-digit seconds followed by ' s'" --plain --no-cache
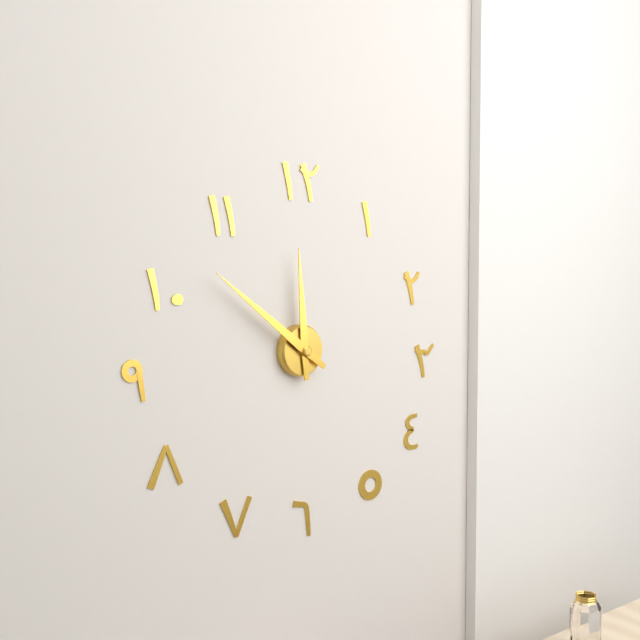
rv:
11 h 51 min
